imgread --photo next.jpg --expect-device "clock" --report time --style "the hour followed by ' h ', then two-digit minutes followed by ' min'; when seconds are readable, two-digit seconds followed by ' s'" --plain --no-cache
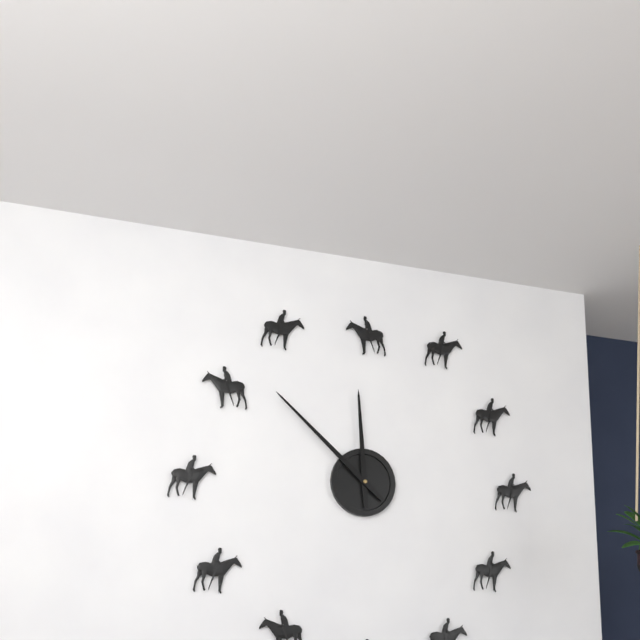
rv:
11 h 52 min
